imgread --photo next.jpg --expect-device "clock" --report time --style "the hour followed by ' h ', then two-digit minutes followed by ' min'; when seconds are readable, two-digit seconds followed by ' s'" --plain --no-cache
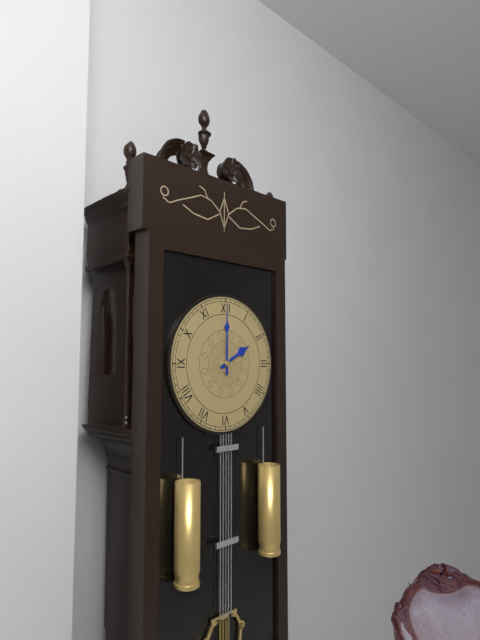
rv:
2 h 00 min
